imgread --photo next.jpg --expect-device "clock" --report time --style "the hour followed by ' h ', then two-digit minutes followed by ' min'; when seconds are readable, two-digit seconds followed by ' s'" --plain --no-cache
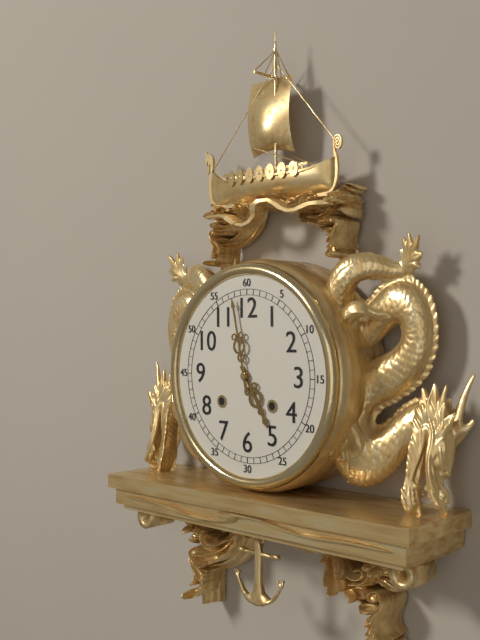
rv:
4 h 58 min
